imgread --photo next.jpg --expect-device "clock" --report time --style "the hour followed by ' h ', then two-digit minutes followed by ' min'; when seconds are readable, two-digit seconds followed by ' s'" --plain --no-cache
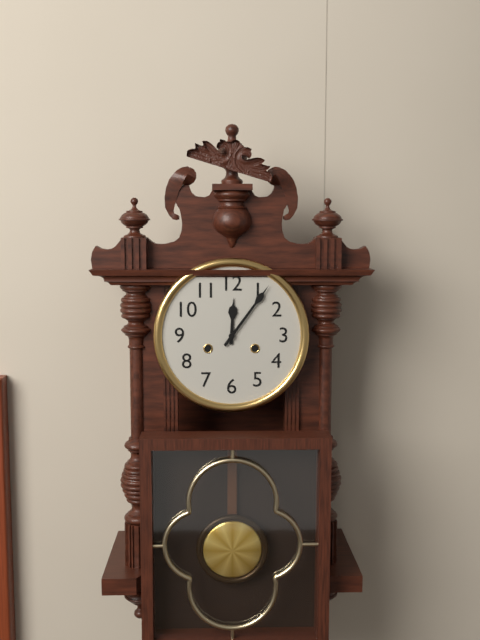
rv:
12 h 06 min
